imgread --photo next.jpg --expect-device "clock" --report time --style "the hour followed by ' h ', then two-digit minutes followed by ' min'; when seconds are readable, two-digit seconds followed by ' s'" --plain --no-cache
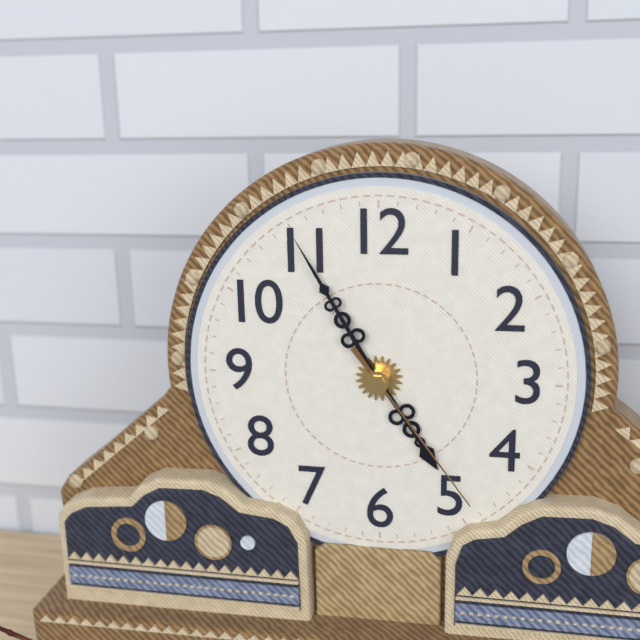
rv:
4 h 55 min 24 s
